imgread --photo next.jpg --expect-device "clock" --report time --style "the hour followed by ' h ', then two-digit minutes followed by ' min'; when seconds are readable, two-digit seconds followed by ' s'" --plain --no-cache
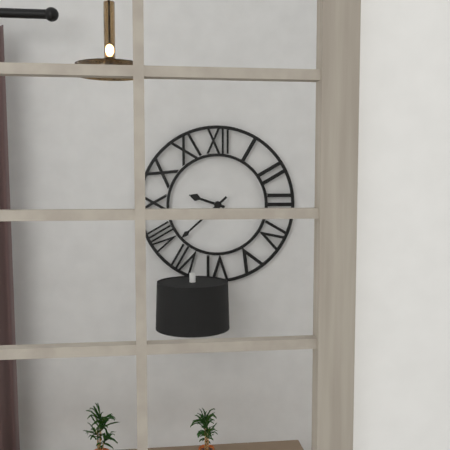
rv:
9 h 38 min
